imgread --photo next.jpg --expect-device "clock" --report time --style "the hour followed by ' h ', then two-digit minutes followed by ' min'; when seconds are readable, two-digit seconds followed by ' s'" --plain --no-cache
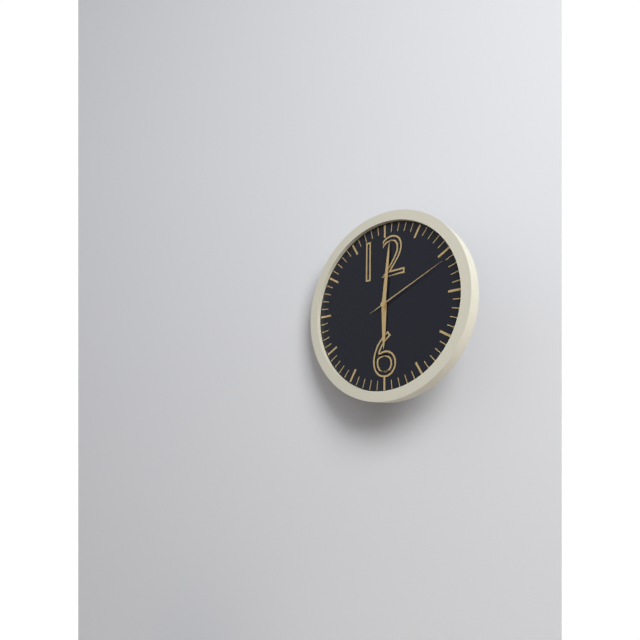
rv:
6 h 01 min 11 s
